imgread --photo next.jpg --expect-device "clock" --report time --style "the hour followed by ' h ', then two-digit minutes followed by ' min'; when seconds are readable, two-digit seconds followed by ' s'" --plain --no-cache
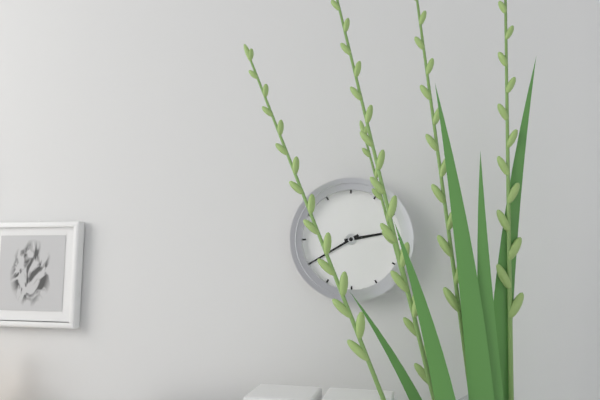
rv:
2 h 40 min
